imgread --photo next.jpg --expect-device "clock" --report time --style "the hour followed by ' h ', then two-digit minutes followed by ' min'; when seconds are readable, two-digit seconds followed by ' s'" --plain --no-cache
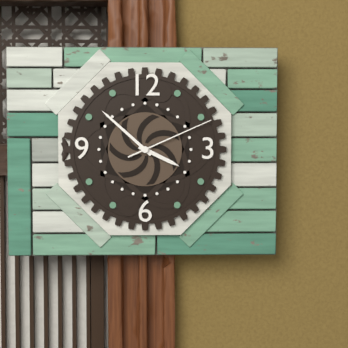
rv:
3 h 52 min 11 s
